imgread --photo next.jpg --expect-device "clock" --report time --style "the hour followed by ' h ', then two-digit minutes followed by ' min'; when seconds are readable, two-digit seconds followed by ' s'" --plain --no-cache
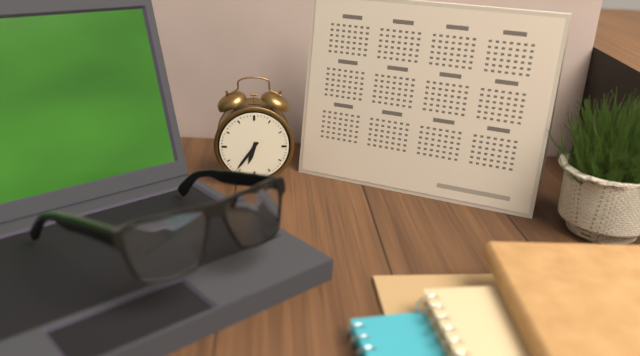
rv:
6 h 36 min
